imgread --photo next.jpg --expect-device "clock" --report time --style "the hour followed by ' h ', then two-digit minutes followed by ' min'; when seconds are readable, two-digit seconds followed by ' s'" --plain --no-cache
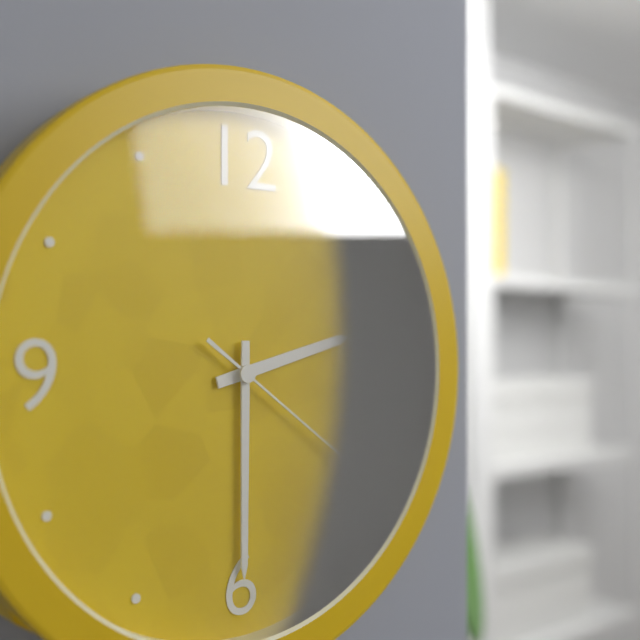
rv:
2 h 30 min 21 s
